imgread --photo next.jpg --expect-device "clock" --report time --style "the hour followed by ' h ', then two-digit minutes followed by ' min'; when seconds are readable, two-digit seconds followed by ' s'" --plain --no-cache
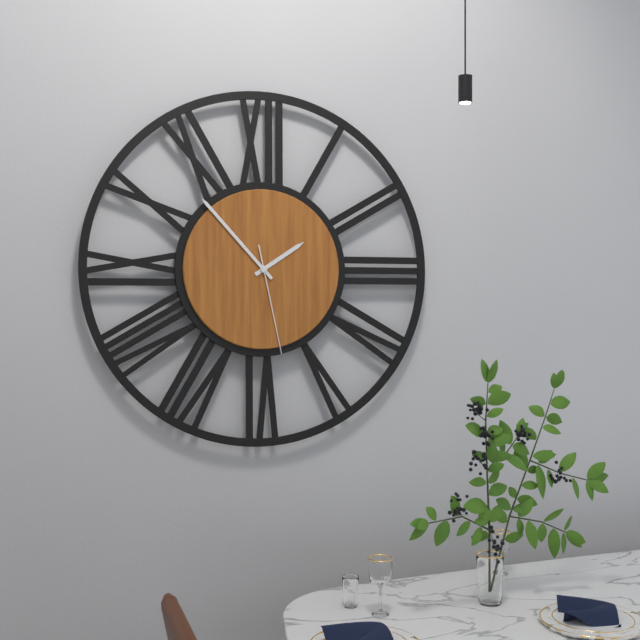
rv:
1 h 53 min 28 s
